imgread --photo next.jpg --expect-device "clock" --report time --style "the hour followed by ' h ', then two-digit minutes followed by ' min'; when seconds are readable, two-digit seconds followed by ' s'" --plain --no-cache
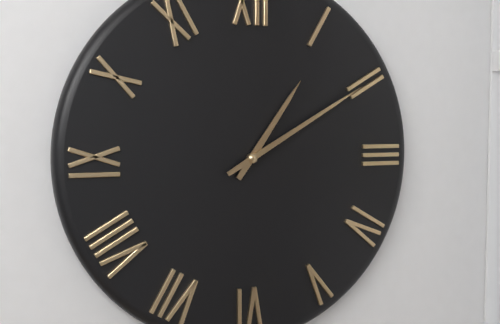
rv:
1 h 10 min
